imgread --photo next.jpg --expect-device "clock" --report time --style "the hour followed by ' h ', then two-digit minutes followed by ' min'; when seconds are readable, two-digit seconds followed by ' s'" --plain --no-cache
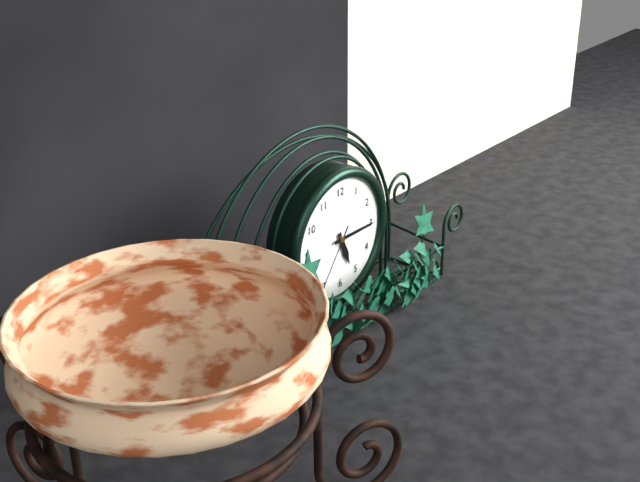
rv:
5 h 15 min 36 s
